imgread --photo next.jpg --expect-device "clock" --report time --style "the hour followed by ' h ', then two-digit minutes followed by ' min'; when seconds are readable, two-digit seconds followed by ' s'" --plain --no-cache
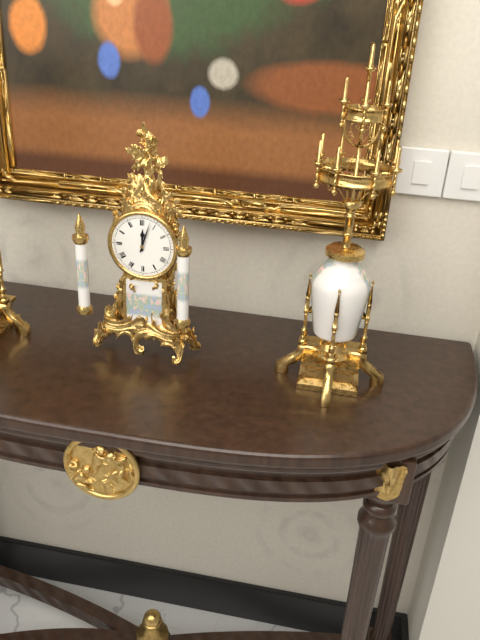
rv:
12 h 03 min
